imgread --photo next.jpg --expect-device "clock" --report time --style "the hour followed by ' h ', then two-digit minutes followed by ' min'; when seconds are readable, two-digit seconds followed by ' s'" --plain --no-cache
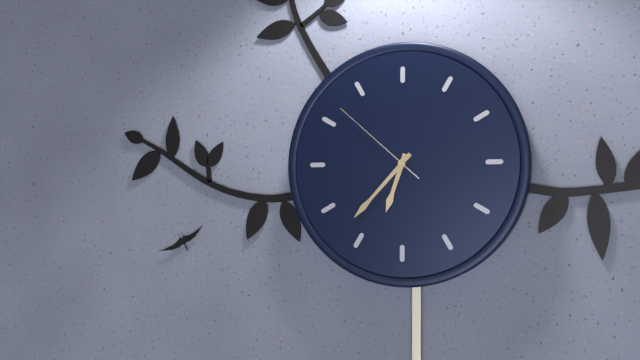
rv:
6 h 37 min 52 s
